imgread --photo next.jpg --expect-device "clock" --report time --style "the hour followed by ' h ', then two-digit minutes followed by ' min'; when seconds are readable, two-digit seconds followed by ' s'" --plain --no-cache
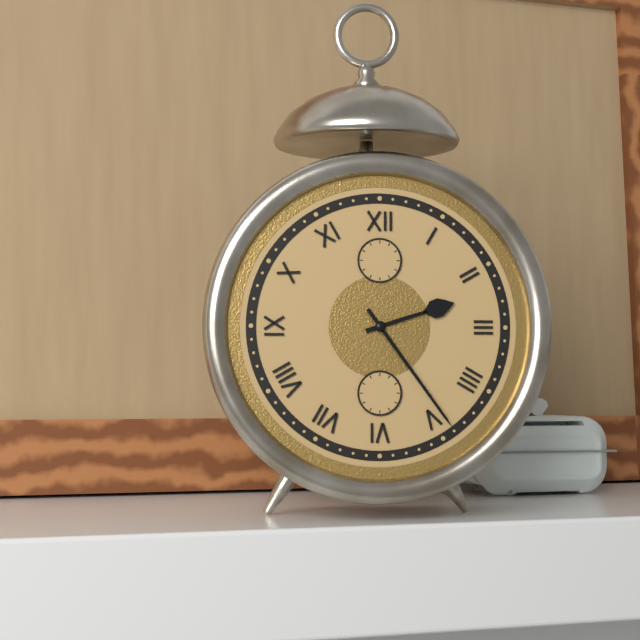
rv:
2 h 24 min
